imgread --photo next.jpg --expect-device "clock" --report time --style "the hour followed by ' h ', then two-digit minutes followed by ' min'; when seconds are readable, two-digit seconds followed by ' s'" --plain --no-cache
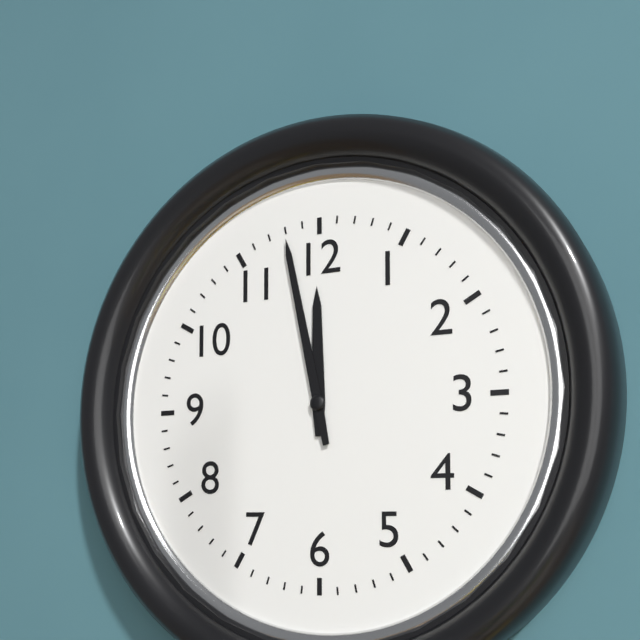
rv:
11 h 58 min
